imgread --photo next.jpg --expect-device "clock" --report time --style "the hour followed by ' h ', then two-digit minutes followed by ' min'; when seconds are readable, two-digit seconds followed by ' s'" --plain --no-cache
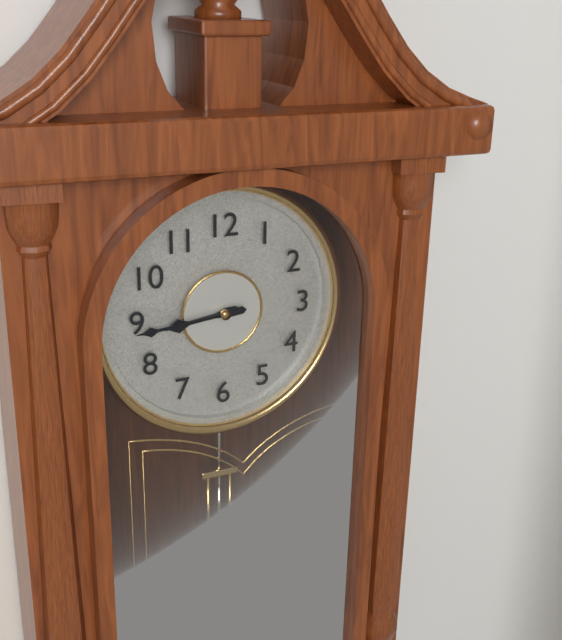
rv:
8 h 44 min
